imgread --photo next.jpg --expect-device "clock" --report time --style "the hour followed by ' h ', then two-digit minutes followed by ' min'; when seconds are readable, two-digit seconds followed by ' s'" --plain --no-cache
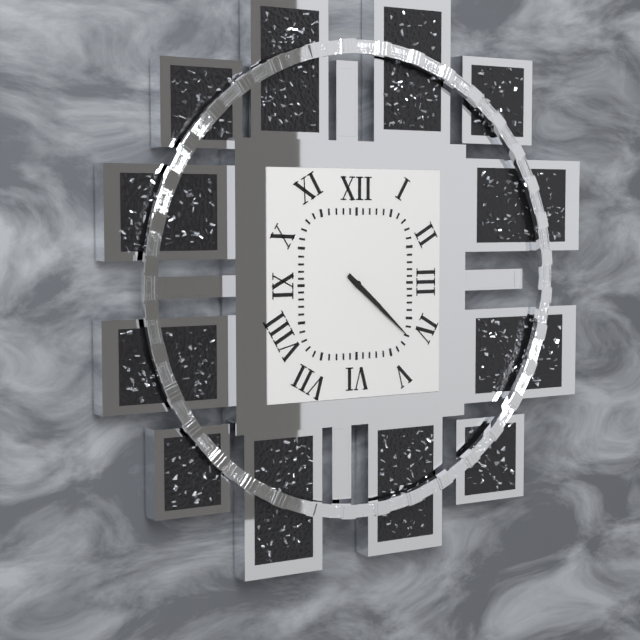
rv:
4 h 22 min
